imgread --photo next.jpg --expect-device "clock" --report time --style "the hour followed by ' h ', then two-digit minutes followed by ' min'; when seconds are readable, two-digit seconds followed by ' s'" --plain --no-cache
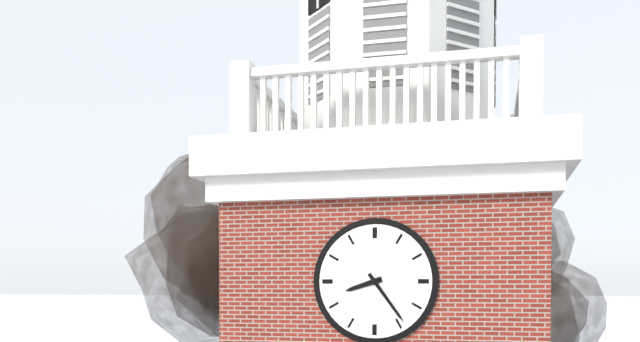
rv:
8 h 24 min
